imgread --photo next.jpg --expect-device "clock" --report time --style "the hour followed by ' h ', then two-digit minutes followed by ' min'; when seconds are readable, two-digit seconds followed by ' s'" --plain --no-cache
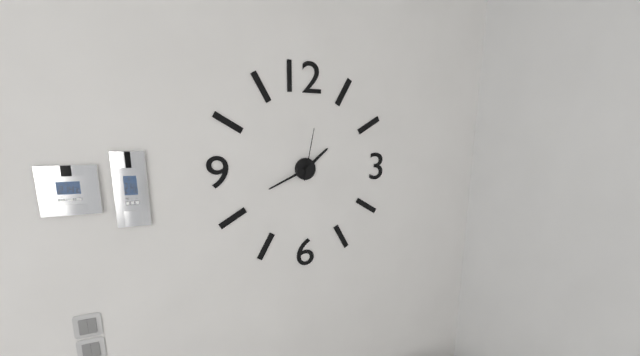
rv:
1 h 41 min 02 s
